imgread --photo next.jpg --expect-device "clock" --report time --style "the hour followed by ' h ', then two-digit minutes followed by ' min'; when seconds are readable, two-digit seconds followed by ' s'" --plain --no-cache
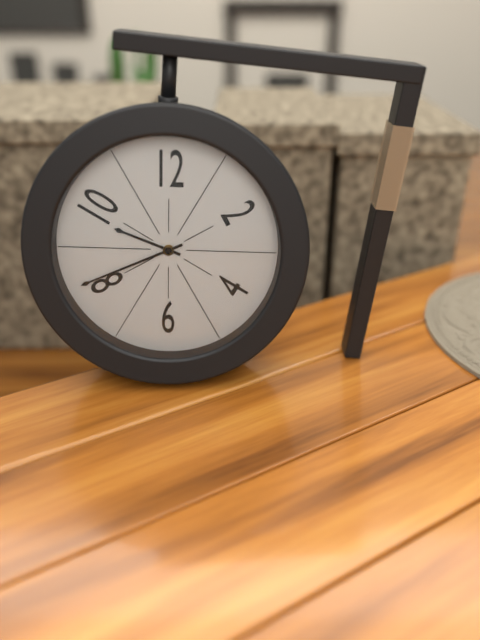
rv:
9 h 41 min
